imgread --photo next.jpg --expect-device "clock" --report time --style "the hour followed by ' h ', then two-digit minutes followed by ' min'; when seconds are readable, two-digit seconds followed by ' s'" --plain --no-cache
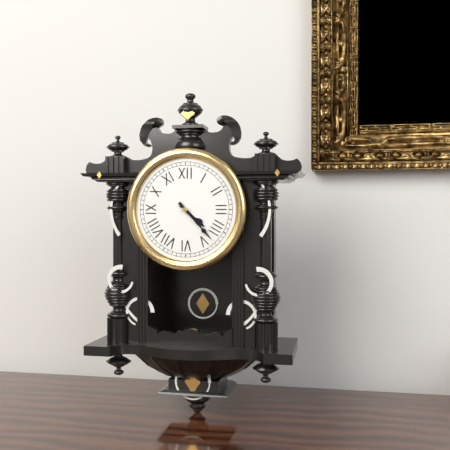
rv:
4 h 23 min
